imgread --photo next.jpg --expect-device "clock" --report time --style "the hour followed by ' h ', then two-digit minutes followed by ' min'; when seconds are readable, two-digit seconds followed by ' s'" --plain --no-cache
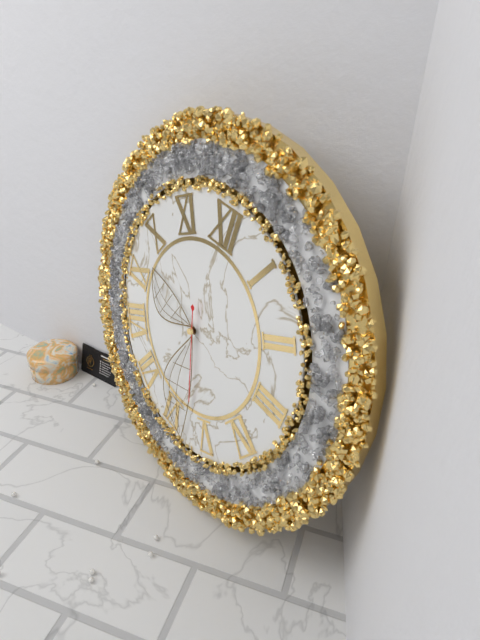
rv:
9 h 28 min 27 s
